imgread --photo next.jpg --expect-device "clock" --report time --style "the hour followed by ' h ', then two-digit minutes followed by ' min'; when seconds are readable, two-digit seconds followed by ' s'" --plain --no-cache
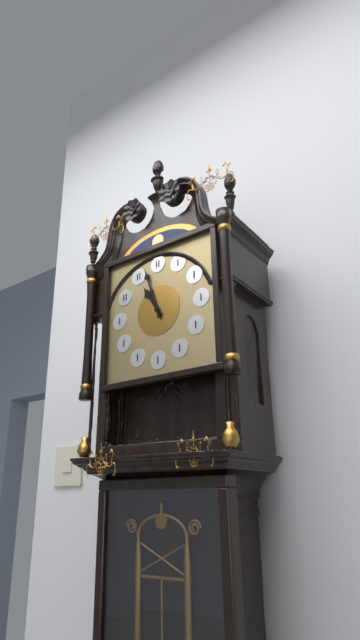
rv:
10 h 57 min
